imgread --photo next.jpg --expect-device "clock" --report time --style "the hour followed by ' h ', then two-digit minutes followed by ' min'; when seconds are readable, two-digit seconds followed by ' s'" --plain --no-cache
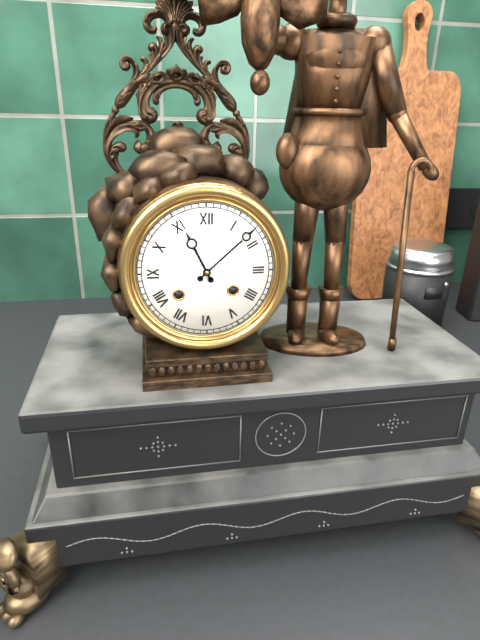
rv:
11 h 08 min
